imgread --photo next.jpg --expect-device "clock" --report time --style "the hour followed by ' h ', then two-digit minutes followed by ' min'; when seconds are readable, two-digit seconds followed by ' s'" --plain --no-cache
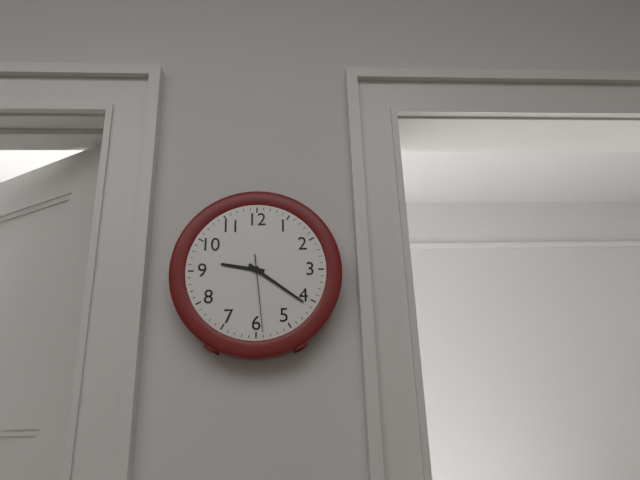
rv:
9 h 21 min 29 s
